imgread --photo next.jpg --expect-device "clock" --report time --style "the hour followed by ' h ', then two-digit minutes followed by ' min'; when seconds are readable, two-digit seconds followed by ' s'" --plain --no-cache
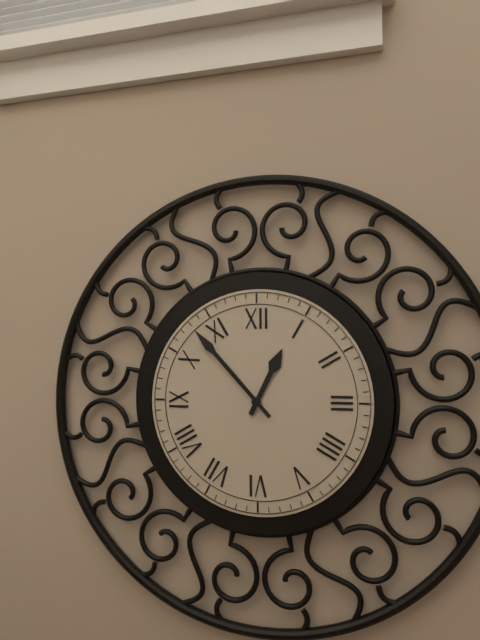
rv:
12 h 53 min
